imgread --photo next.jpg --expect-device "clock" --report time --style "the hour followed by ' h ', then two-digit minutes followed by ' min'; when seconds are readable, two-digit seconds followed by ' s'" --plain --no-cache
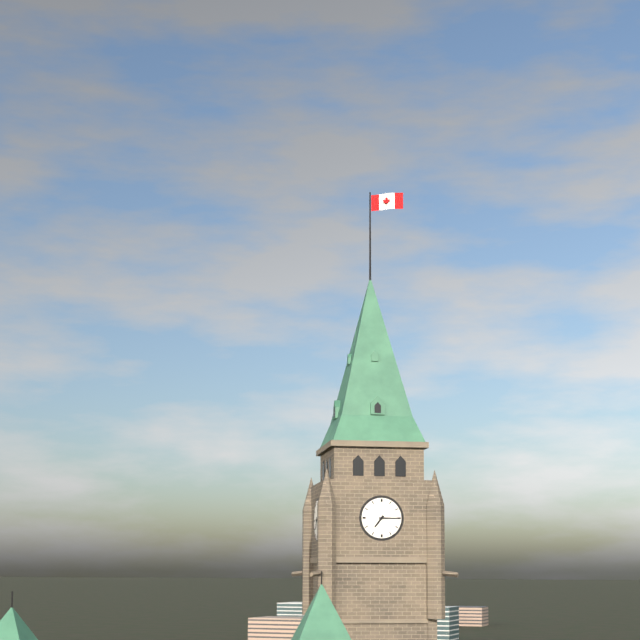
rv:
7 h 15 min
